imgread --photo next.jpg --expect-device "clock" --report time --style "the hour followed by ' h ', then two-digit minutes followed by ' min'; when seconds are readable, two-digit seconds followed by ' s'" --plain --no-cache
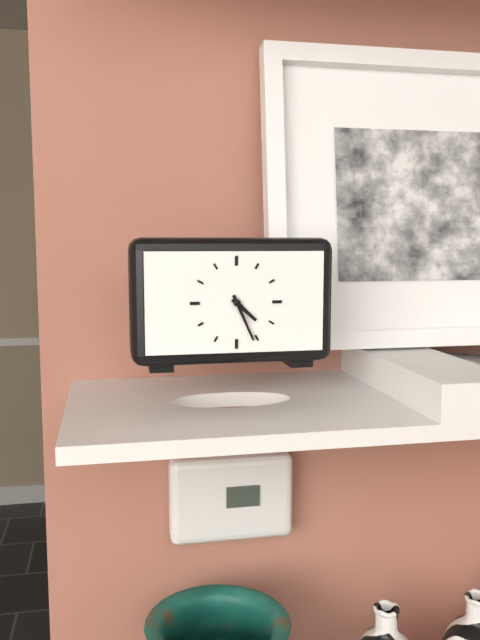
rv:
4 h 26 min
